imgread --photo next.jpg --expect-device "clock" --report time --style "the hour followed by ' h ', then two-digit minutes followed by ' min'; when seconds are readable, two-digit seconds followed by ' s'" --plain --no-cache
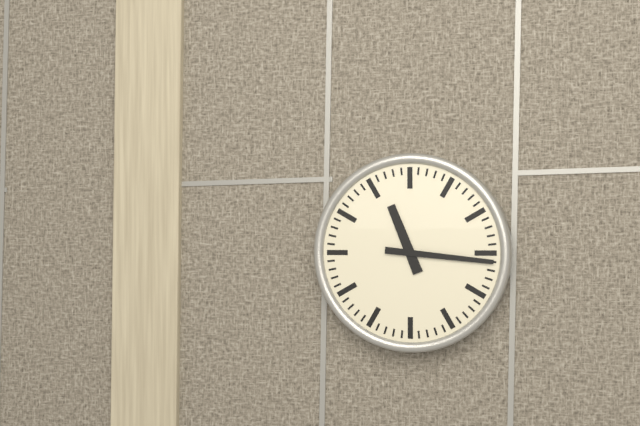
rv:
11 h 16 min
